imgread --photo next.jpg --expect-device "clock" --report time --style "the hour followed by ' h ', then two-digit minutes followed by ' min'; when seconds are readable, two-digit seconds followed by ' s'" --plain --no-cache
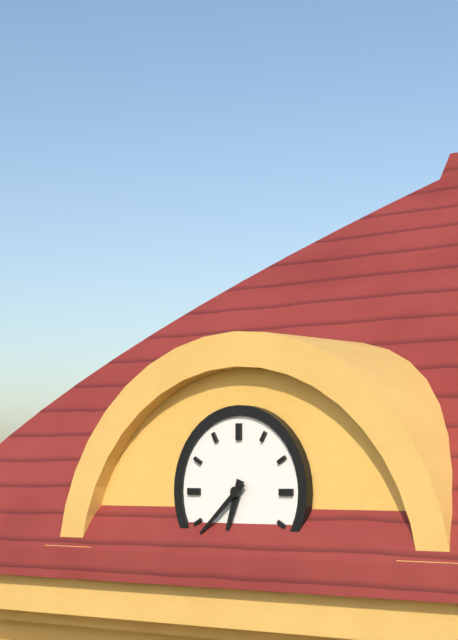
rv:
6 h 38 min
